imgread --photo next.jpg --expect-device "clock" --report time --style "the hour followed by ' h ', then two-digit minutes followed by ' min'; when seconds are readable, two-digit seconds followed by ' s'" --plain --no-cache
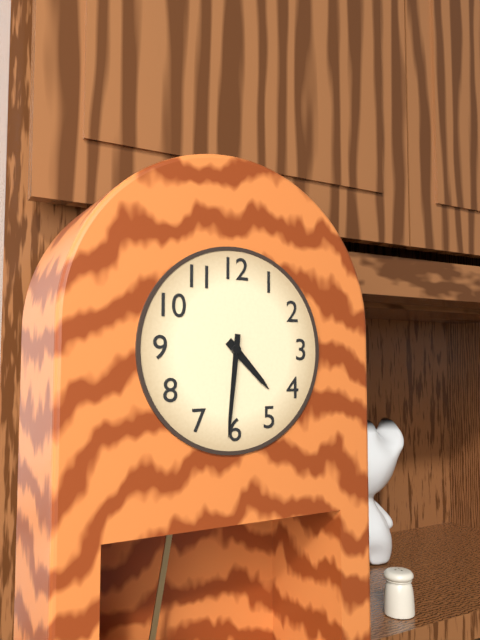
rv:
4 h 31 min
